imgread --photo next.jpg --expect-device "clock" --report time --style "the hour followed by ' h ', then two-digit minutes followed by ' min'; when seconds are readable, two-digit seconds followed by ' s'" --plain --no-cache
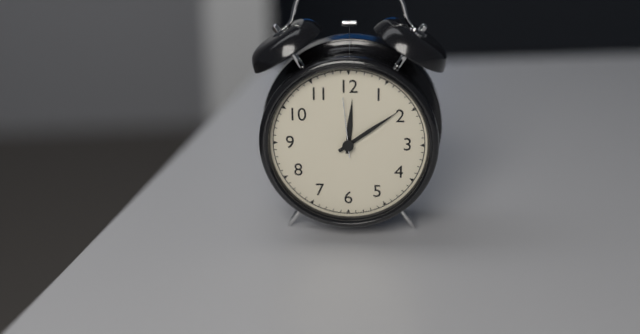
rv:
12 h 09 min 59 s
